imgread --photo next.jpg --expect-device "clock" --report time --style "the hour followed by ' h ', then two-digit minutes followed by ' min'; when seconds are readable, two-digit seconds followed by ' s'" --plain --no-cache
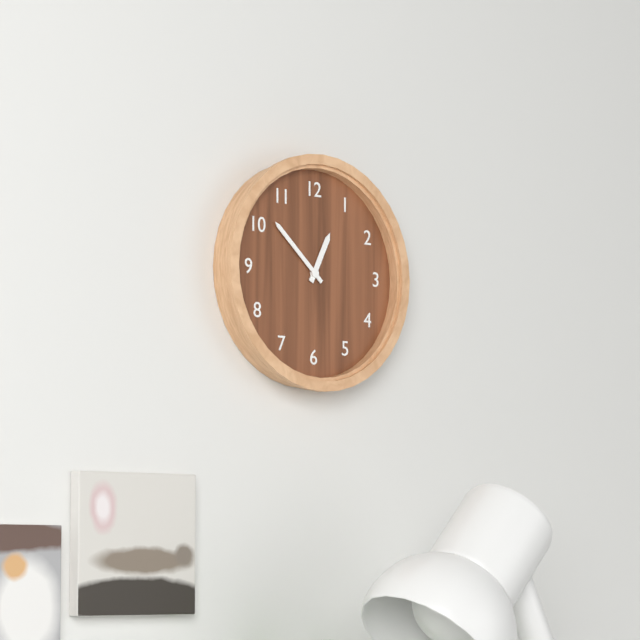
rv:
12 h 52 min
